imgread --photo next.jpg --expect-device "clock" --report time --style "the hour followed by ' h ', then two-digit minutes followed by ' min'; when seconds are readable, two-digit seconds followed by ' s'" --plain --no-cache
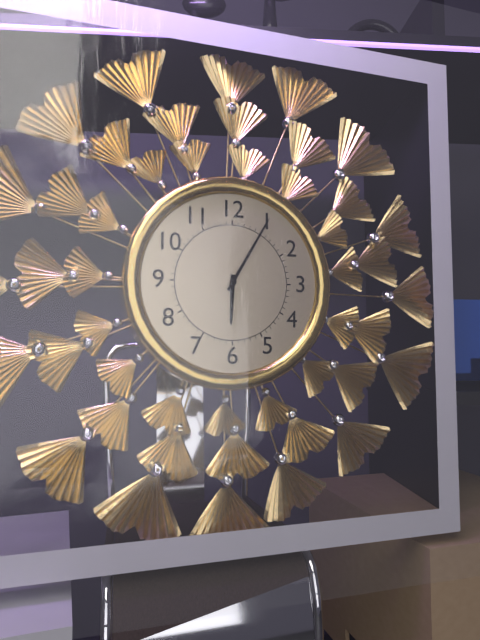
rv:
6 h 05 min
